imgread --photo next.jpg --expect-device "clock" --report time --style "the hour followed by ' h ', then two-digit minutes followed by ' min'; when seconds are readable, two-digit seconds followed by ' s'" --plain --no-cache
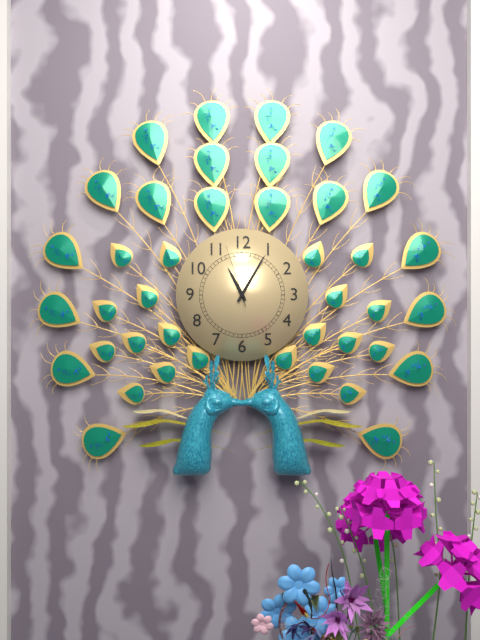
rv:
11 h 05 min 57 s
